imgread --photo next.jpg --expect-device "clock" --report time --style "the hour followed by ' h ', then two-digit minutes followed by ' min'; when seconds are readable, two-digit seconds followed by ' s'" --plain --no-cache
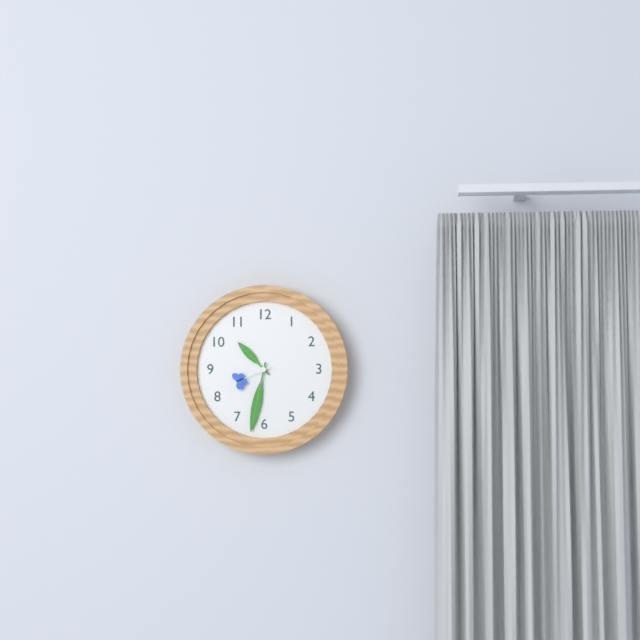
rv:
10 h 32 min
